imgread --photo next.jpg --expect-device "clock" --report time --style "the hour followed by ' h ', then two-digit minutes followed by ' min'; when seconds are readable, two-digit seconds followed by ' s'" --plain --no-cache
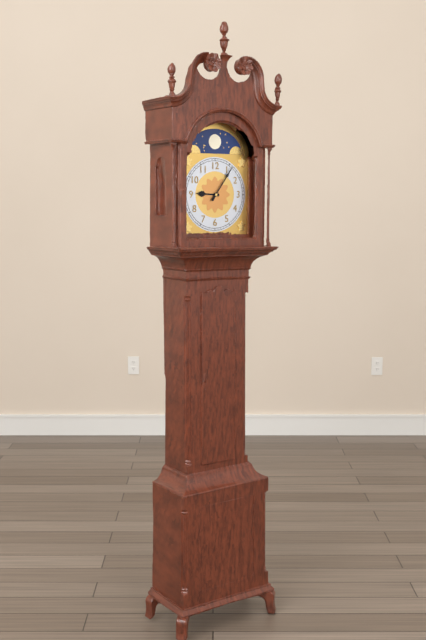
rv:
9 h 06 min
